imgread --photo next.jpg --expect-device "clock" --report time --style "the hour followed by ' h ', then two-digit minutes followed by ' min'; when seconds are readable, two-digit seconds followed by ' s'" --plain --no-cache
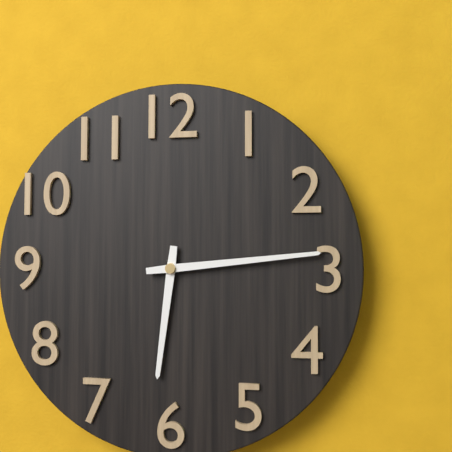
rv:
6 h 14 min
